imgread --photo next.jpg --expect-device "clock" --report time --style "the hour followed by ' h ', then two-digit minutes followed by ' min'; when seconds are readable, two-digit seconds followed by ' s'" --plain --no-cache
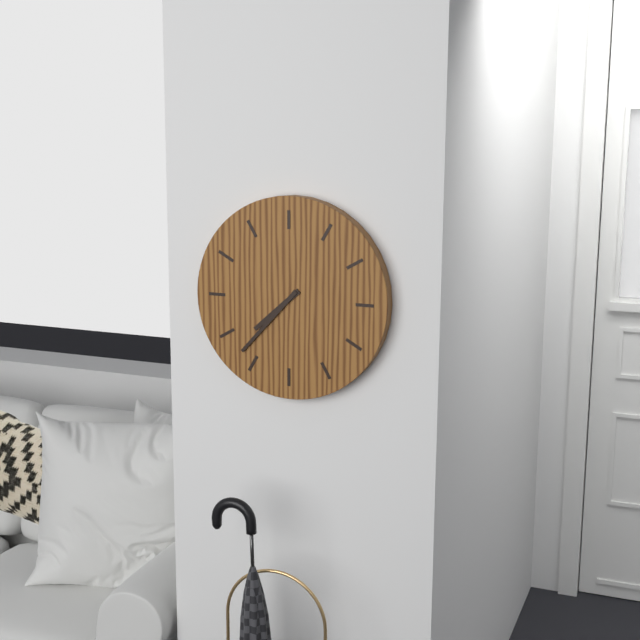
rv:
7 h 37 min
